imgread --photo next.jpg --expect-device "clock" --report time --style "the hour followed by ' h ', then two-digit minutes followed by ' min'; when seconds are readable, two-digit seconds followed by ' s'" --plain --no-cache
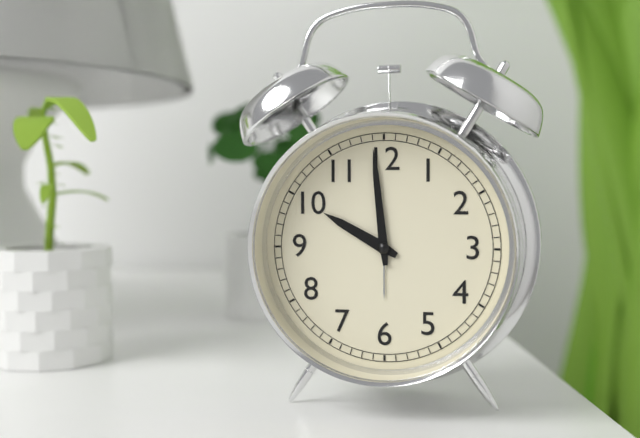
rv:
9 h 59 min
